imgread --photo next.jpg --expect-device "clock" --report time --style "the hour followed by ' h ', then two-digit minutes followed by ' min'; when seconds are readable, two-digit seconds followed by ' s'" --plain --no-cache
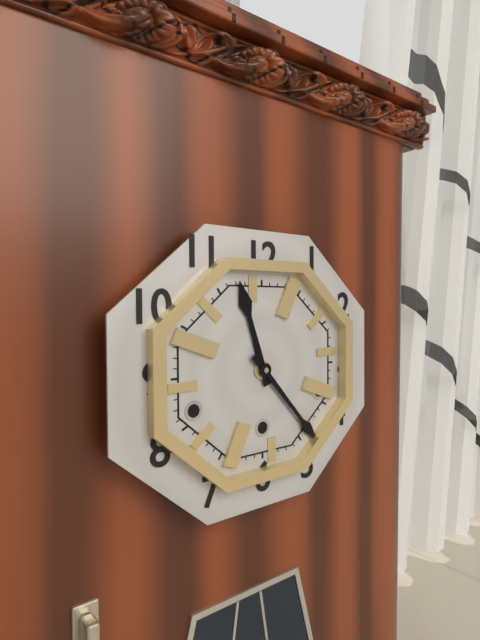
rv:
11 h 23 min
